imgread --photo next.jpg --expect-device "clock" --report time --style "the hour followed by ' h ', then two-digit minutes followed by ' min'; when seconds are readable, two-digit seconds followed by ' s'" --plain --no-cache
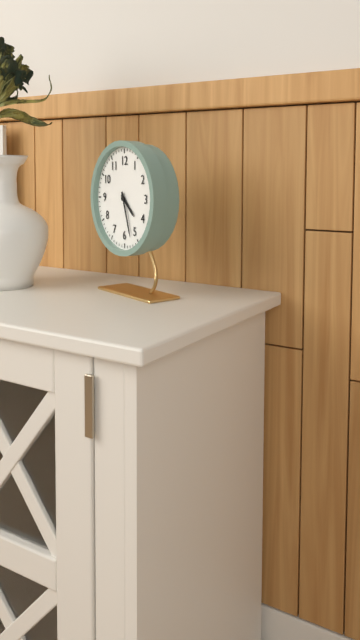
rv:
4 h 27 min
